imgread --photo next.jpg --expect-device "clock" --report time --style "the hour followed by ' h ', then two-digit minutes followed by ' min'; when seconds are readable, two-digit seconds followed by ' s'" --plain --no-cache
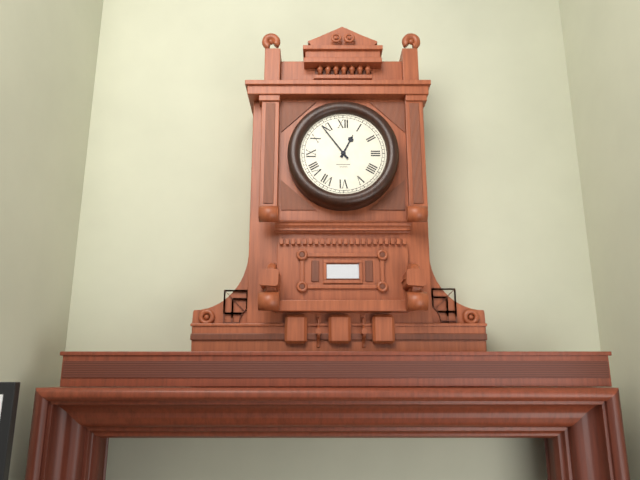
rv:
12 h 54 min
